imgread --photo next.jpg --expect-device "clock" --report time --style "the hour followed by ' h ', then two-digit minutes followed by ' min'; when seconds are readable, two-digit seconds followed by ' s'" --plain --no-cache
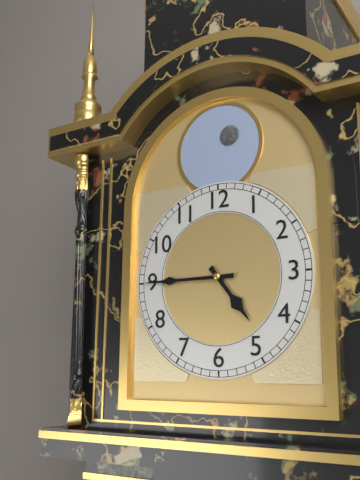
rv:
4 h 45 min
